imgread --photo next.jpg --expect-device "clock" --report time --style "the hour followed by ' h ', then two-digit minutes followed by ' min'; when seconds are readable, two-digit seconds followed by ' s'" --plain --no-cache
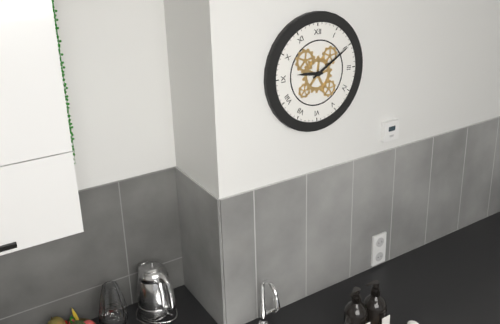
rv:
9 h 10 min
